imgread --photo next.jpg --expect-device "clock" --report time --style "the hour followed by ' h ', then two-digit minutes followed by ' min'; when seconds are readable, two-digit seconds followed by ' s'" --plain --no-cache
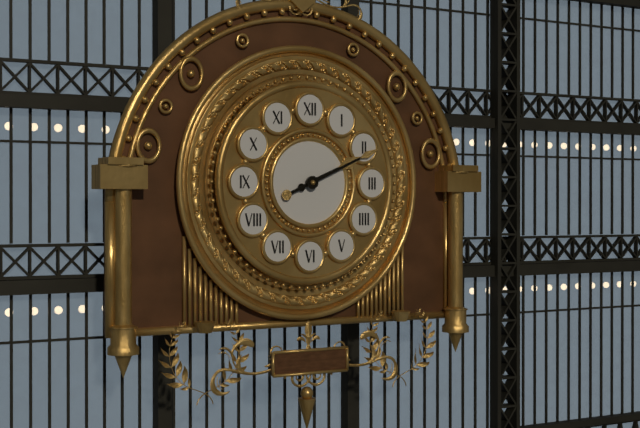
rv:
2 h 11 min
